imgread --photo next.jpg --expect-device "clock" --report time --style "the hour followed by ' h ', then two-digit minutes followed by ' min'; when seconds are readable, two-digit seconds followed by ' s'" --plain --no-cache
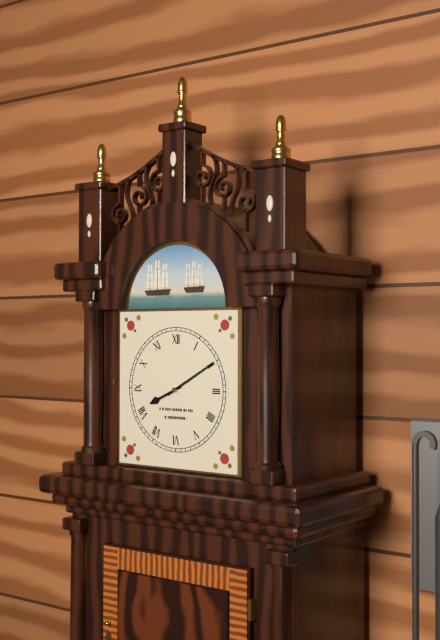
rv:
8 h 10 min
